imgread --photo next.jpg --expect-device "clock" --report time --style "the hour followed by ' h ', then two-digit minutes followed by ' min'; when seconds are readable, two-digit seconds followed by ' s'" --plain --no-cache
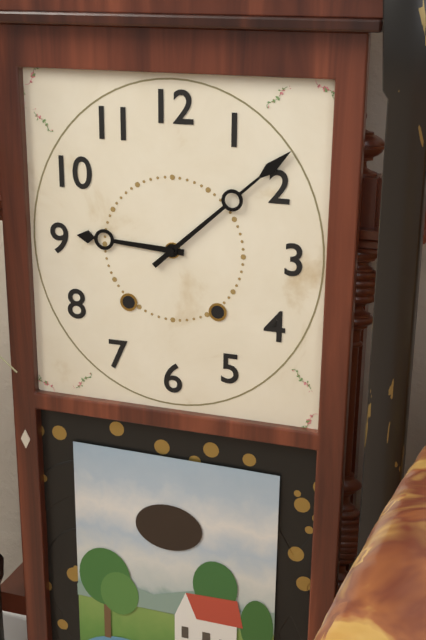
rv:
9 h 08 min
